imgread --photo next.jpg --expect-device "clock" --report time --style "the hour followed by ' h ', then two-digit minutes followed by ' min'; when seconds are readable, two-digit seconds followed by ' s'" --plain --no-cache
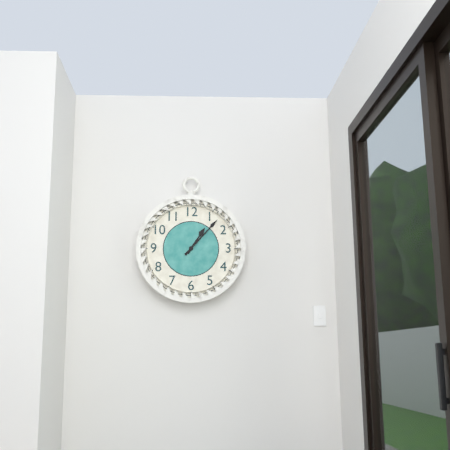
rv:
1 h 07 min
